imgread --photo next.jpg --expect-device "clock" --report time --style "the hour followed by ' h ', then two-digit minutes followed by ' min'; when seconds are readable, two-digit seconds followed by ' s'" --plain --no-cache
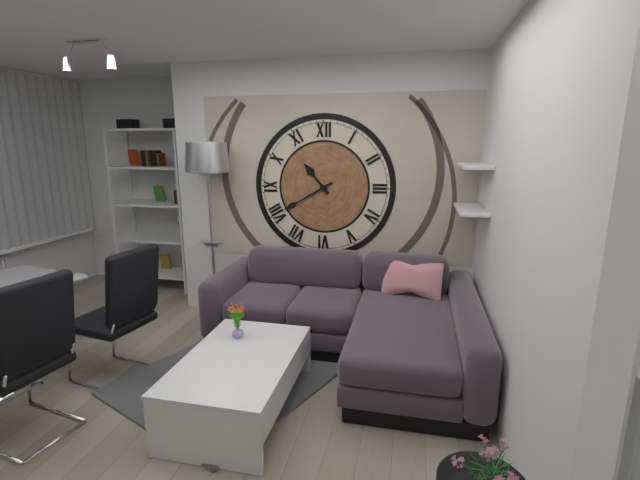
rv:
10 h 40 min
